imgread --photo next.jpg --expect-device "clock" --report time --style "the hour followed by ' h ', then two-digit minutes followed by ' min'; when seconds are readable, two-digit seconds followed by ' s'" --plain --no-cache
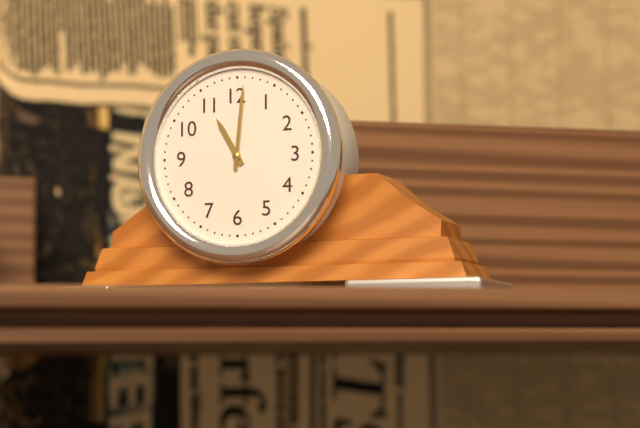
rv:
11 h 01 min
